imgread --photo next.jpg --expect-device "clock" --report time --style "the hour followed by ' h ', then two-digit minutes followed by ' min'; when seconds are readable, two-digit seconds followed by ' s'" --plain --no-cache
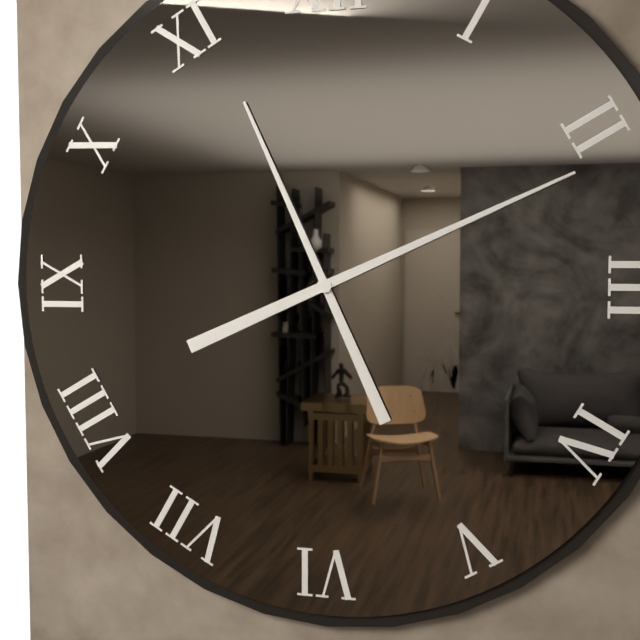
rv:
11 h 11 min
